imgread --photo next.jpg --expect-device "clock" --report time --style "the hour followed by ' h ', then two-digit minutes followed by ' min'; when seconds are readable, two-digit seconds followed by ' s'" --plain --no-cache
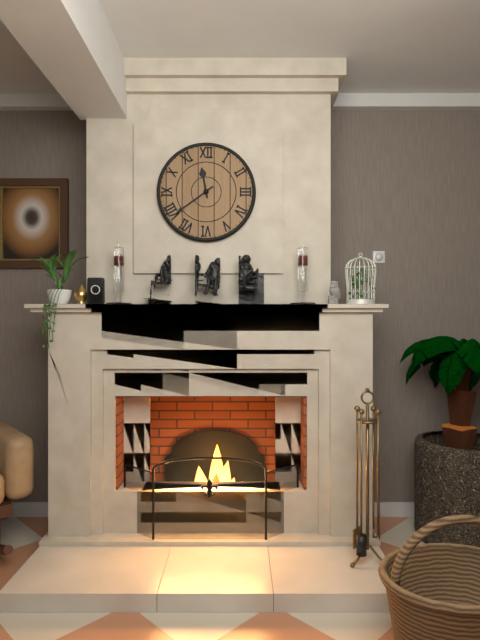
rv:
11 h 39 min
